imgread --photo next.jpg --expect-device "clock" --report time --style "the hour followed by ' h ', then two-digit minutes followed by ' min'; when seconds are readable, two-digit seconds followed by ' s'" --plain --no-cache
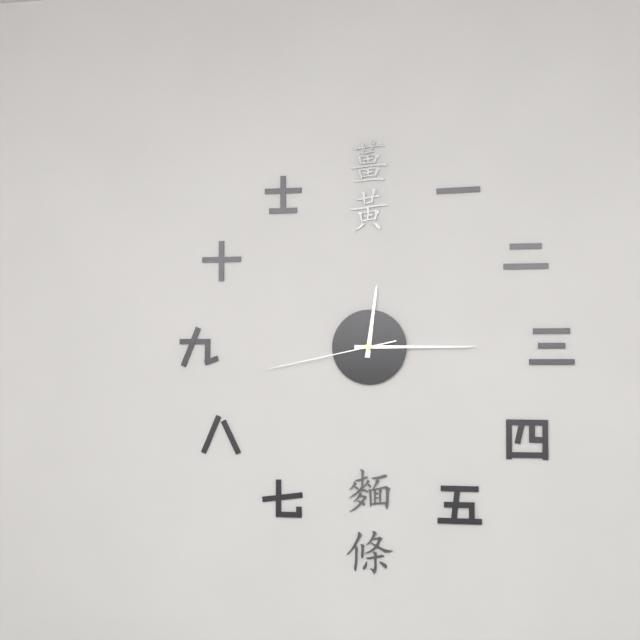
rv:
12 h 15 min 43 s
